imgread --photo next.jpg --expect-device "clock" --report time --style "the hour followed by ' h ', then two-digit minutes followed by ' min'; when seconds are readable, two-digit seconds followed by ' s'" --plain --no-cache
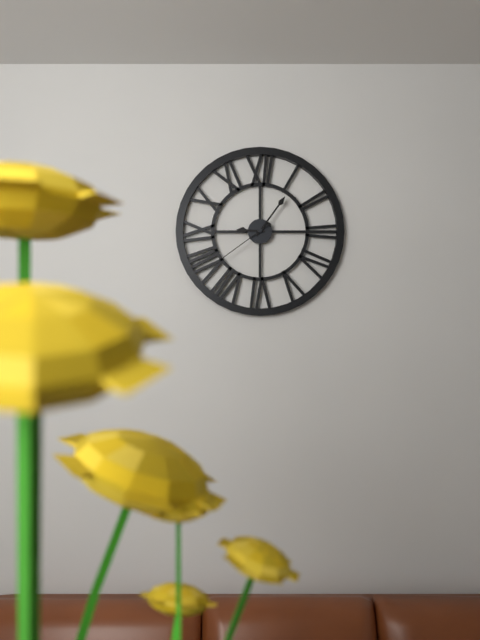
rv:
9 h 06 min 39 s
